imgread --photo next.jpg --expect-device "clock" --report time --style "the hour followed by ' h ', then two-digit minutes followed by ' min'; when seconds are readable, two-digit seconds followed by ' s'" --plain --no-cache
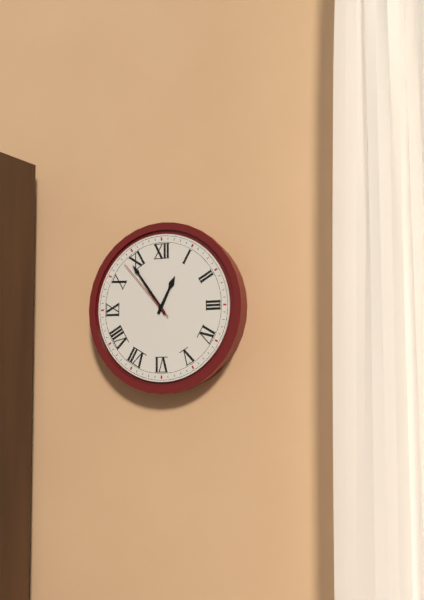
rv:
12 h 54 min 53 s
